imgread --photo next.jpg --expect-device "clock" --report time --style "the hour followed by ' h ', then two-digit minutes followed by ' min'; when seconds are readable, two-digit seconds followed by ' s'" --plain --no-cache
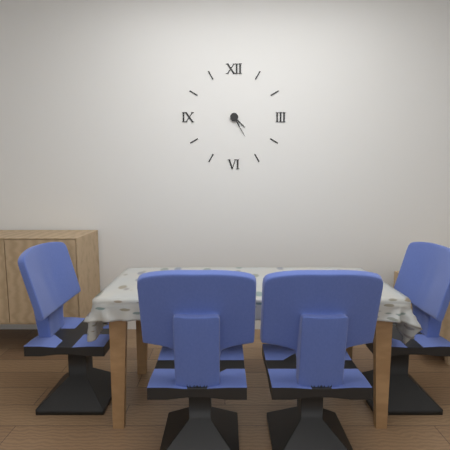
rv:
4 h 25 min
